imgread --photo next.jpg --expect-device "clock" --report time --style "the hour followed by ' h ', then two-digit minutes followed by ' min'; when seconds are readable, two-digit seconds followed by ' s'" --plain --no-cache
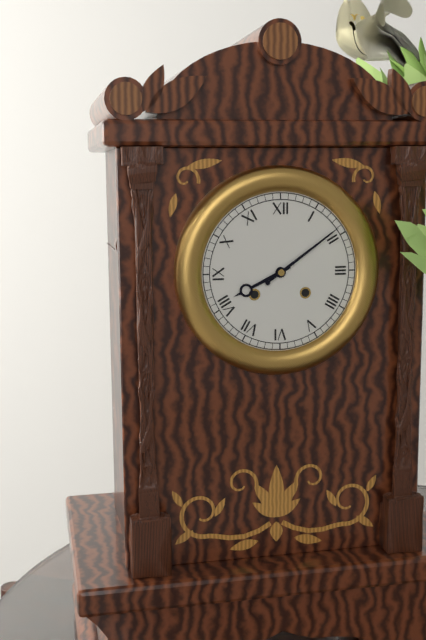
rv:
8 h 09 min
